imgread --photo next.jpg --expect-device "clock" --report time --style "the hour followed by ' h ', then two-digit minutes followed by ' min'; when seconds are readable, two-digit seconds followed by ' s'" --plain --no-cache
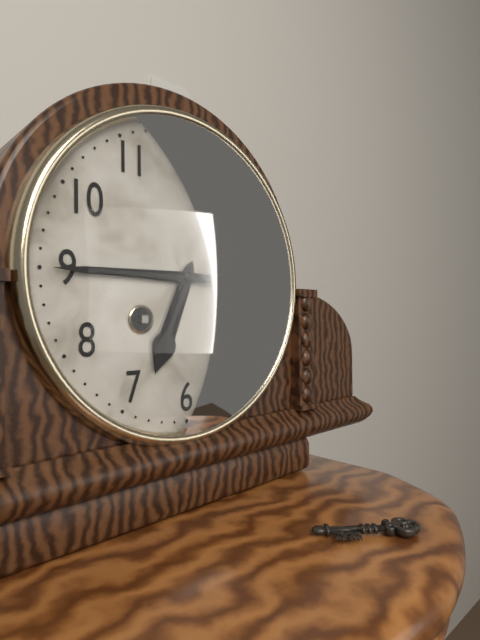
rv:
6 h 45 min
